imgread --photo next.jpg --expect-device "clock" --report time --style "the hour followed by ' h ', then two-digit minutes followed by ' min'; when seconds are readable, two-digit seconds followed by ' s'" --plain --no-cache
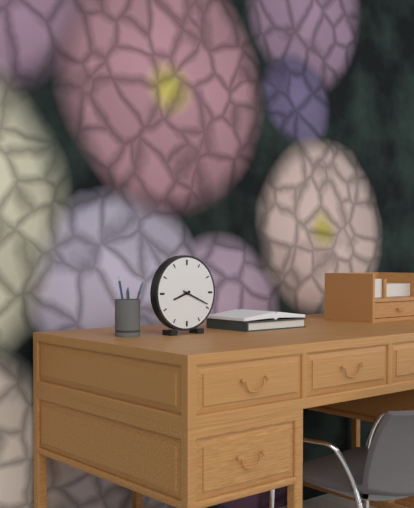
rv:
8 h 19 min
